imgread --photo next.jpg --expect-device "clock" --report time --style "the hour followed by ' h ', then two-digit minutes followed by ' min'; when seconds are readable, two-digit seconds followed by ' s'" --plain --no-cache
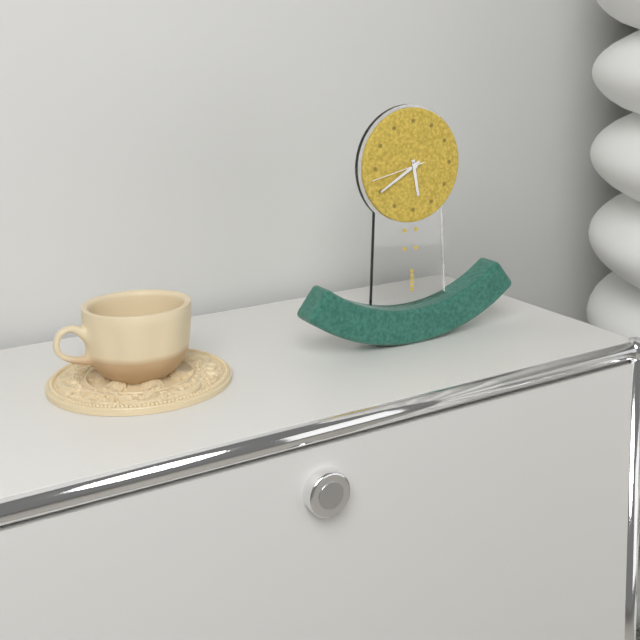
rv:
5 h 40 min 43 s
